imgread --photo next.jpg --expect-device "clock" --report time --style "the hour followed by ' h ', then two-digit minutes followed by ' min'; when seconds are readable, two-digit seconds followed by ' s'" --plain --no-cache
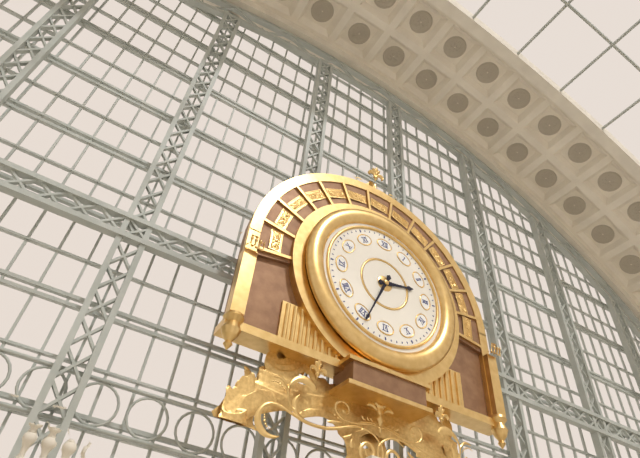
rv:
2 h 34 min
